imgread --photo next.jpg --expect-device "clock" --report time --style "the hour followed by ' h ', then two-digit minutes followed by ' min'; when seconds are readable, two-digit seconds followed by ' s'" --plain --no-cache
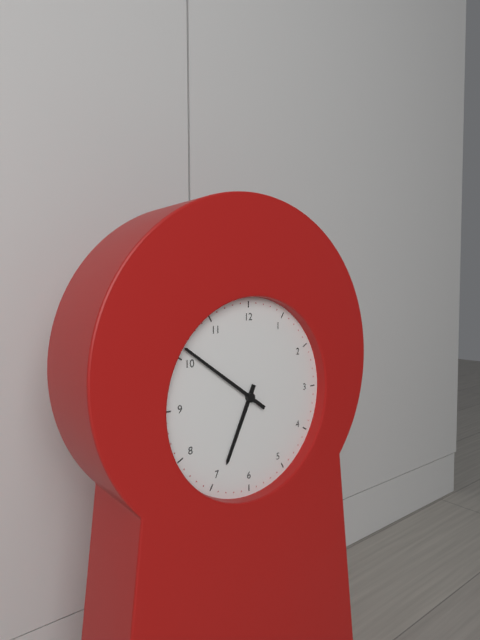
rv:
6 h 51 min
